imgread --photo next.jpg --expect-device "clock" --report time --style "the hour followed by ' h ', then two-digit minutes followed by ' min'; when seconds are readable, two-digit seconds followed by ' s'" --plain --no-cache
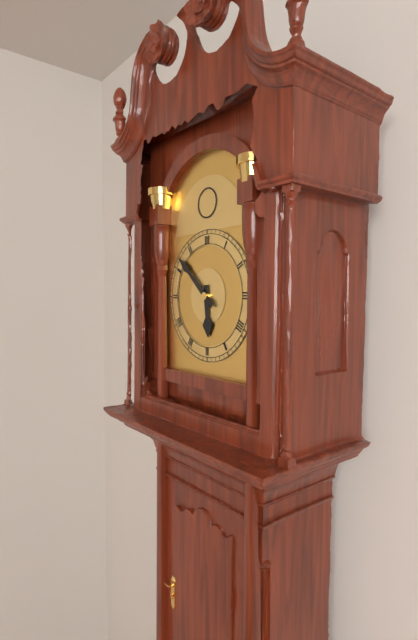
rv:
5 h 52 min
